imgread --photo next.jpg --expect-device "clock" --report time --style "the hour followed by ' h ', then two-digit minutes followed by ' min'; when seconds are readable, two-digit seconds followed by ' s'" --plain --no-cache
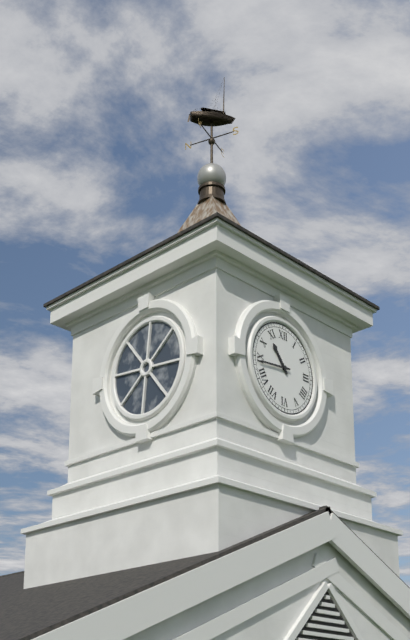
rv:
10 h 44 min
